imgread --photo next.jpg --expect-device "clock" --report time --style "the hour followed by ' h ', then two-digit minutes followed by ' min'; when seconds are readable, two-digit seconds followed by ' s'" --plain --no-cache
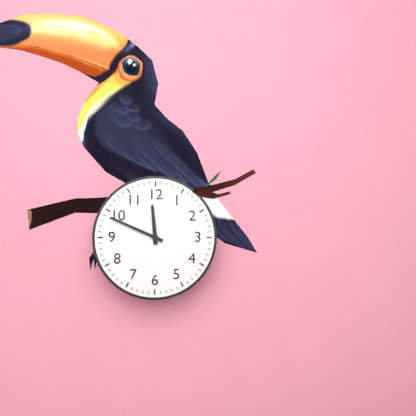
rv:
11 h 49 min
